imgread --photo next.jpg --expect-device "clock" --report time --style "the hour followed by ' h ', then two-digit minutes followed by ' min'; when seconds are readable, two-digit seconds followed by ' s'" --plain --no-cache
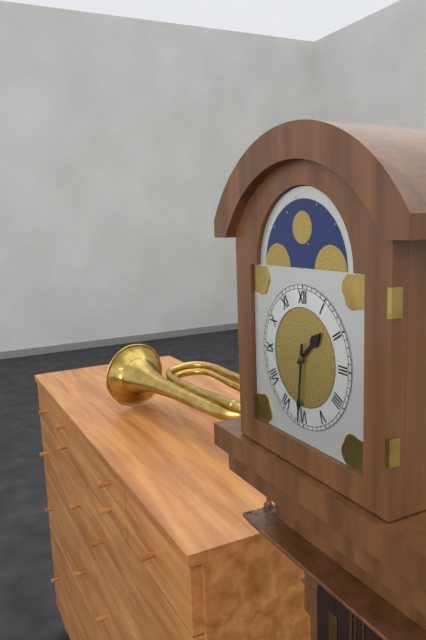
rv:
1 h 31 min
